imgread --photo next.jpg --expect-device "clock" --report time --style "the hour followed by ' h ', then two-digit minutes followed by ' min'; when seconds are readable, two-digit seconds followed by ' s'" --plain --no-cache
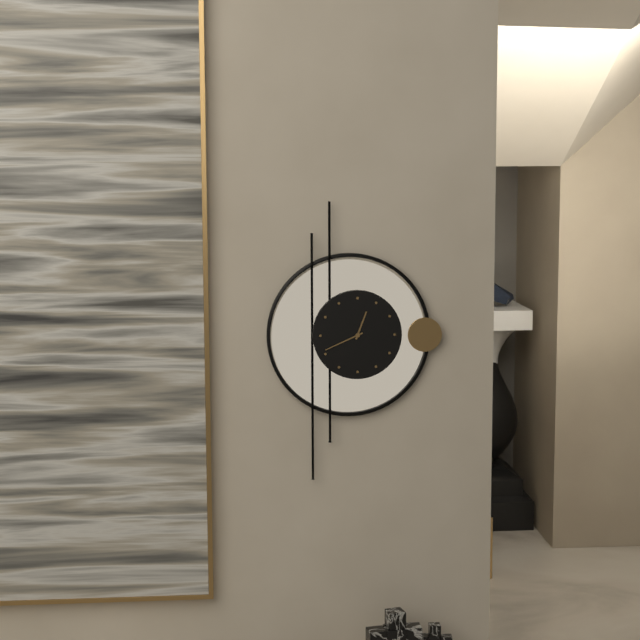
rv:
12 h 41 min
